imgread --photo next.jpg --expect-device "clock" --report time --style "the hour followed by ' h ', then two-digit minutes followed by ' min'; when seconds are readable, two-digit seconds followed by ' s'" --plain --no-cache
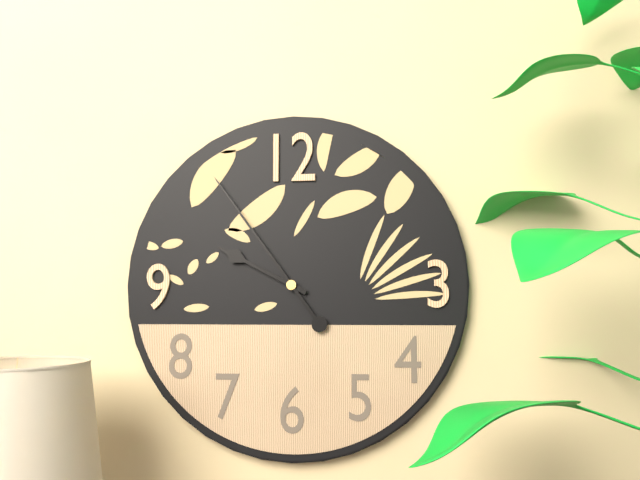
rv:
9 h 54 min
